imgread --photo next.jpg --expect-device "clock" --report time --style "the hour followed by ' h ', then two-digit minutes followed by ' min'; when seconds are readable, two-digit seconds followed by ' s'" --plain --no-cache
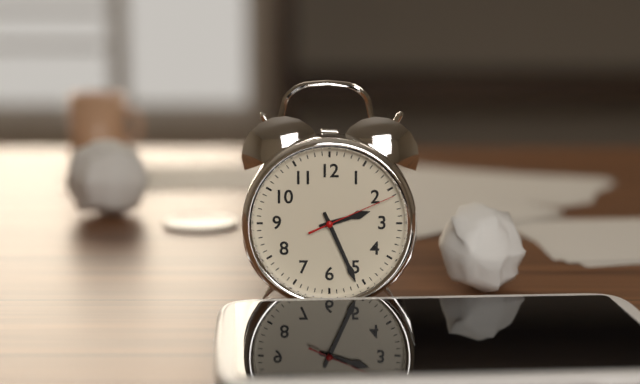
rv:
2 h 26 min 11 s
